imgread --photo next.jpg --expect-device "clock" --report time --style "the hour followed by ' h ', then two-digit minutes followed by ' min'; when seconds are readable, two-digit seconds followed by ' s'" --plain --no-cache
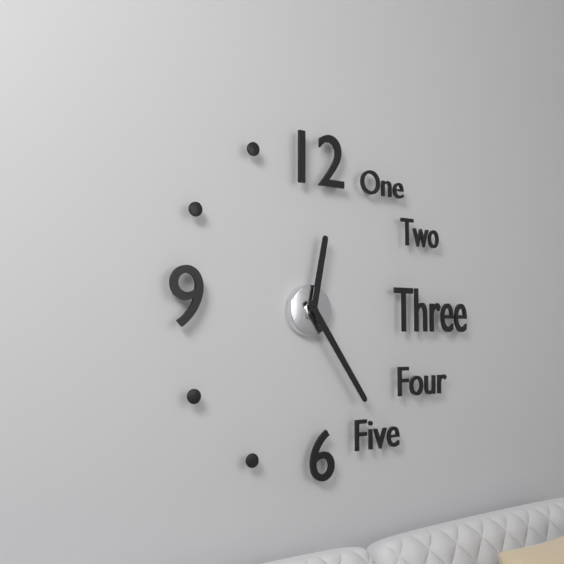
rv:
12 h 24 min
